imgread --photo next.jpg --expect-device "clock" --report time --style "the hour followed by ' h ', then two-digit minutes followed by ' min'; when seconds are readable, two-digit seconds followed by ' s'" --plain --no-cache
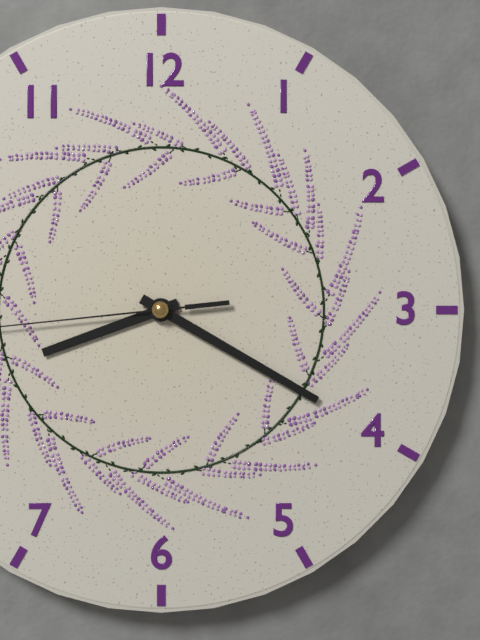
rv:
8 h 20 min
